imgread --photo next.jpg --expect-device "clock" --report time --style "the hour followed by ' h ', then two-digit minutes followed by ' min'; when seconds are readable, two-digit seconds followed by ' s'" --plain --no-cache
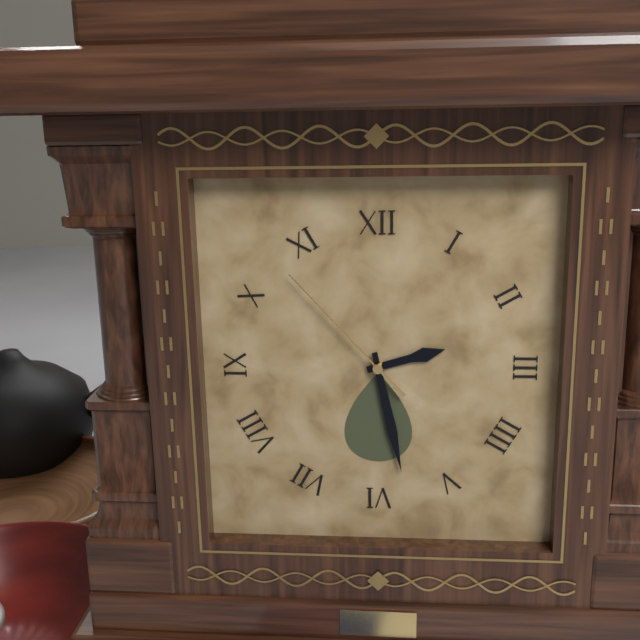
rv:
2 h 28 min 53 s
